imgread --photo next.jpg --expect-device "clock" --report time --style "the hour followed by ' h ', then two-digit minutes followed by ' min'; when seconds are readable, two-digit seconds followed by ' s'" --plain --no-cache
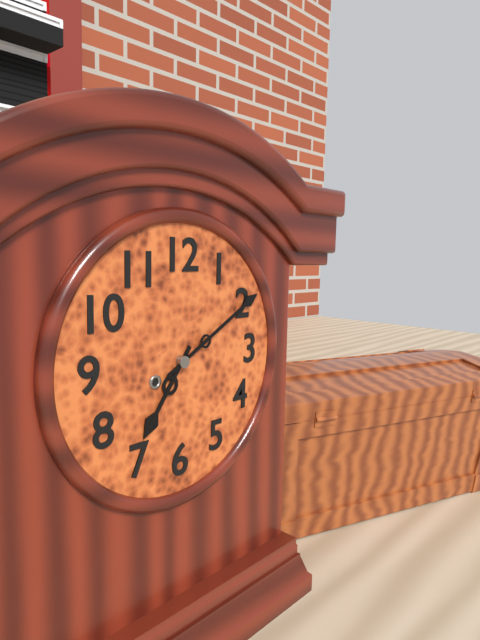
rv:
7 h 10 min
